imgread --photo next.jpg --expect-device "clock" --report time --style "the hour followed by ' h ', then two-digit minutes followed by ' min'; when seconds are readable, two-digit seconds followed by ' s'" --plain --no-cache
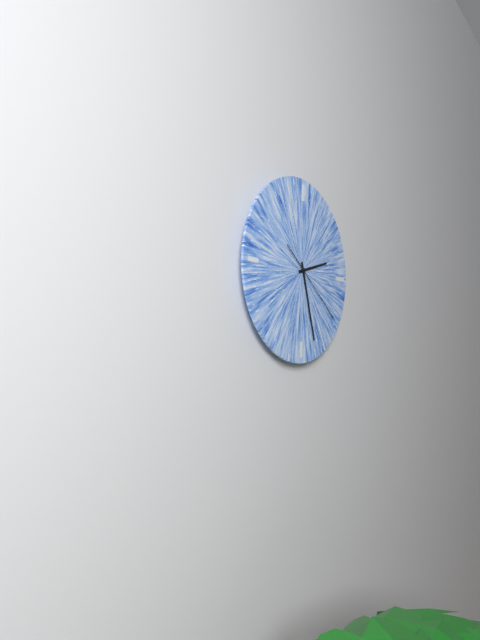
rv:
2 h 27 min 21 s
